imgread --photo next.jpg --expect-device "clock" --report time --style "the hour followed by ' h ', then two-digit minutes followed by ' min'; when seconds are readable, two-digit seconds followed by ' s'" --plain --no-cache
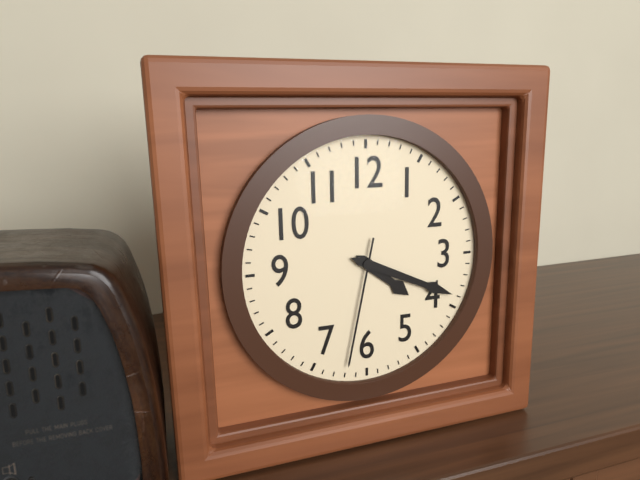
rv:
4 h 19 min 32 s
